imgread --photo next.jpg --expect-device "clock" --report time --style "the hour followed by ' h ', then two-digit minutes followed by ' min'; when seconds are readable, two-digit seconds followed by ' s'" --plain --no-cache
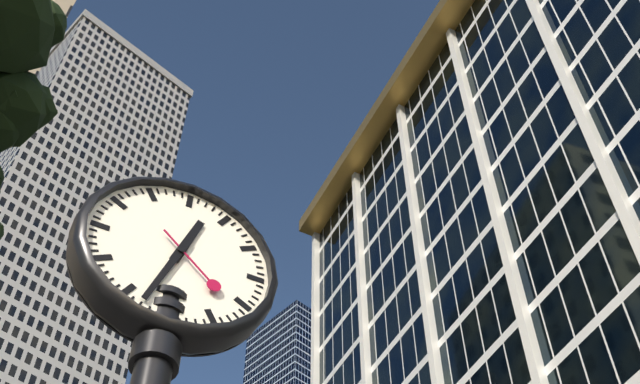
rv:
12 h 33 min 22 s
